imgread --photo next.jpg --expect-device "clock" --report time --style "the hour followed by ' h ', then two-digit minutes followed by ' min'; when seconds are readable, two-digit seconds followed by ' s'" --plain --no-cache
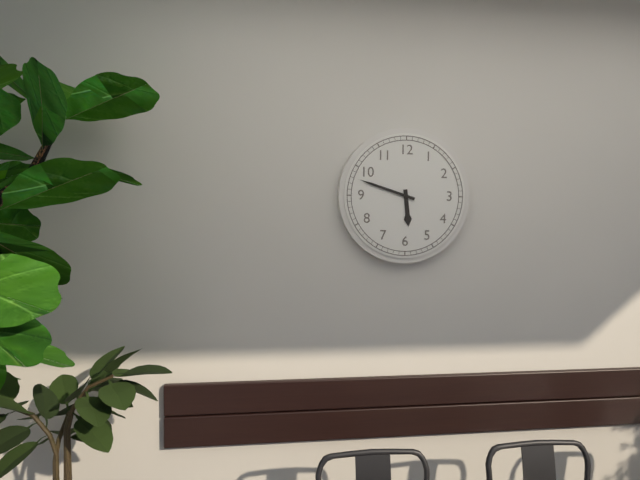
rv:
5 h 48 min
